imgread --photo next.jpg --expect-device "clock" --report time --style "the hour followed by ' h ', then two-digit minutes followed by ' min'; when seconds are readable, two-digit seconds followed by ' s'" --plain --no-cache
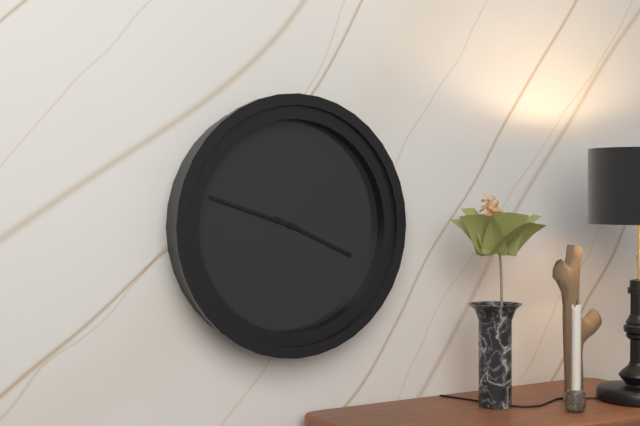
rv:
3 h 48 min
